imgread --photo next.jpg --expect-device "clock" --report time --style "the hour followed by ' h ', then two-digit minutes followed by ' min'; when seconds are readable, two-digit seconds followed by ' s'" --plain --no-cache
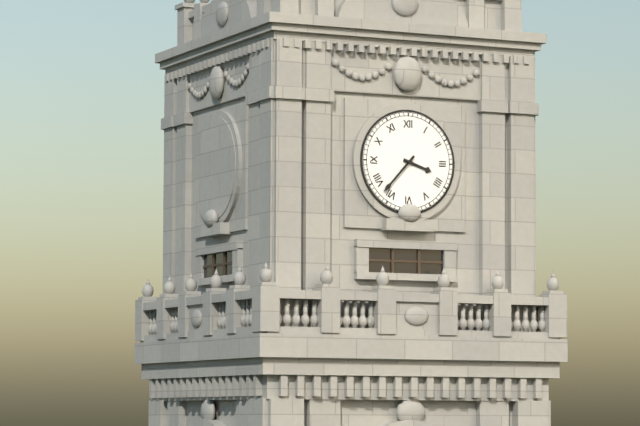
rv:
3 h 37 min
